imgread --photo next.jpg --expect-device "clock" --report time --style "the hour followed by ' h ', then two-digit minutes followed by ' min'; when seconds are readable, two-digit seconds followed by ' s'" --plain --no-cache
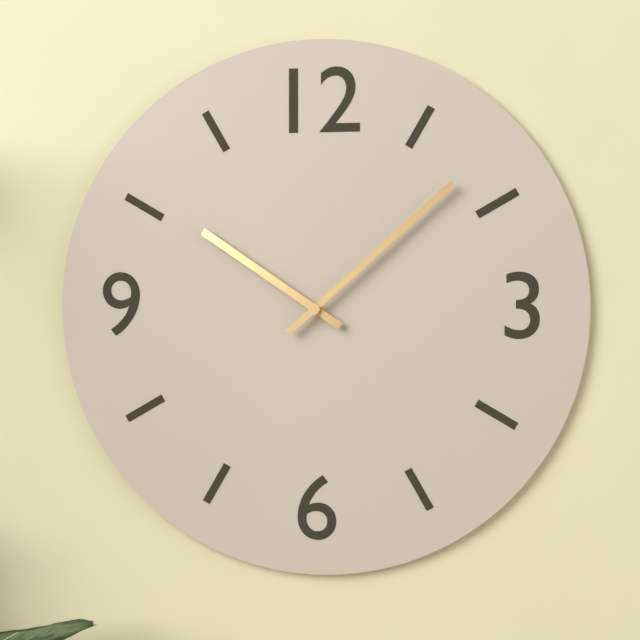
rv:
10 h 08 min
